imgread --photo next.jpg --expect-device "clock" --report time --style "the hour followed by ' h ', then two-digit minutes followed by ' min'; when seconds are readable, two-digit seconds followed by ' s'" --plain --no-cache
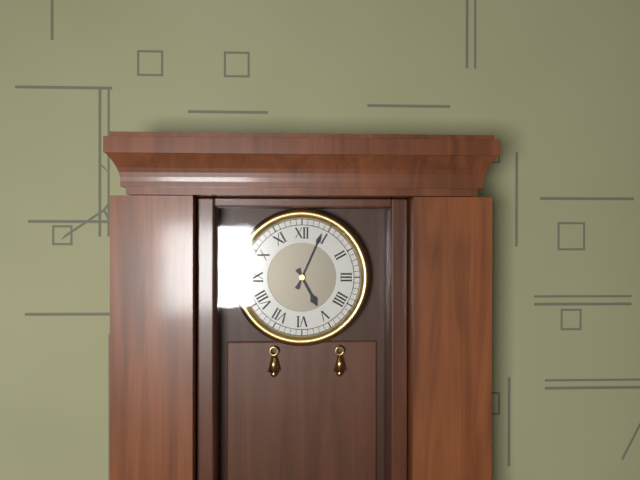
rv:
5 h 04 min
